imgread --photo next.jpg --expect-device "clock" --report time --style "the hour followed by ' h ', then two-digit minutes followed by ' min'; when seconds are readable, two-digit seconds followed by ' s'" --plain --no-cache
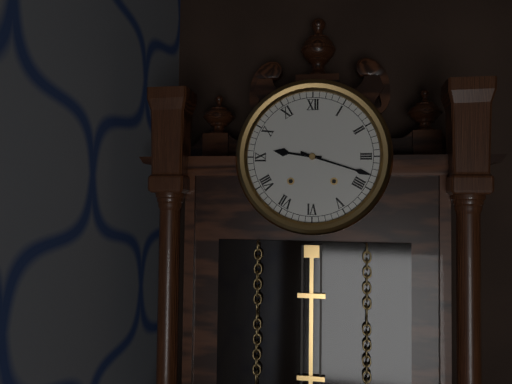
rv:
9 h 18 min
